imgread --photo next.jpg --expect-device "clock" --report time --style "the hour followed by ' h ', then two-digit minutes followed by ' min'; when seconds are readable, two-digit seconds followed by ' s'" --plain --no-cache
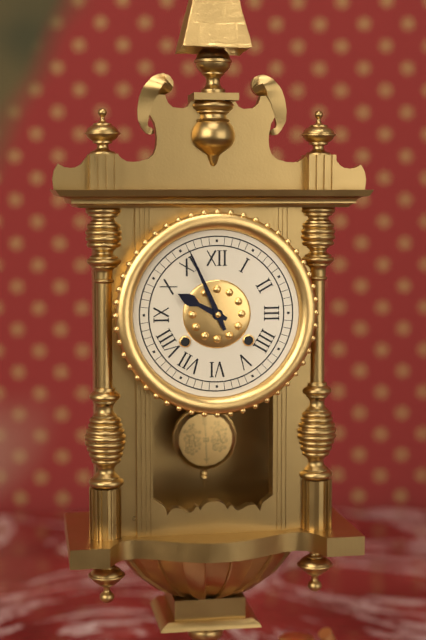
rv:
9 h 56 min
